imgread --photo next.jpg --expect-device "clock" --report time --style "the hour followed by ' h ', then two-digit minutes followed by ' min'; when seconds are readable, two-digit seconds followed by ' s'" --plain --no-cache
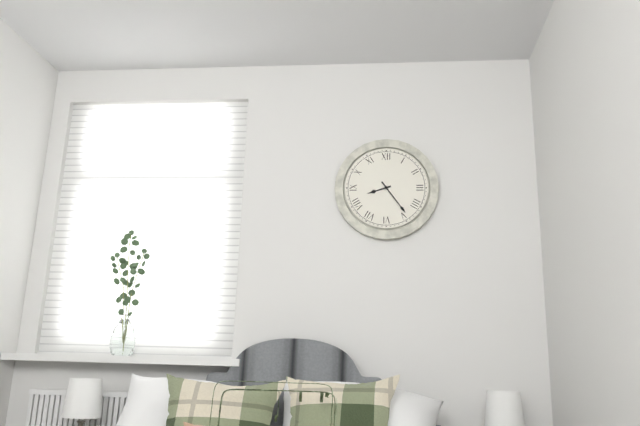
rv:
8 h 24 min
